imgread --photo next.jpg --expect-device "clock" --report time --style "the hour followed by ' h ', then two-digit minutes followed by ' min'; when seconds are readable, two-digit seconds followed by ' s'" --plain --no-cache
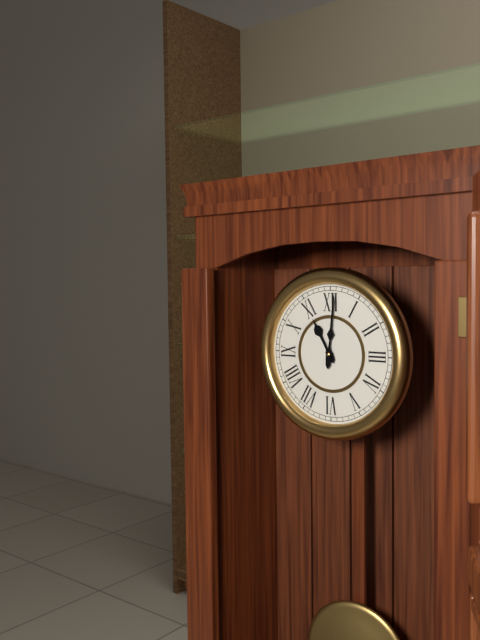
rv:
11 h 01 min
